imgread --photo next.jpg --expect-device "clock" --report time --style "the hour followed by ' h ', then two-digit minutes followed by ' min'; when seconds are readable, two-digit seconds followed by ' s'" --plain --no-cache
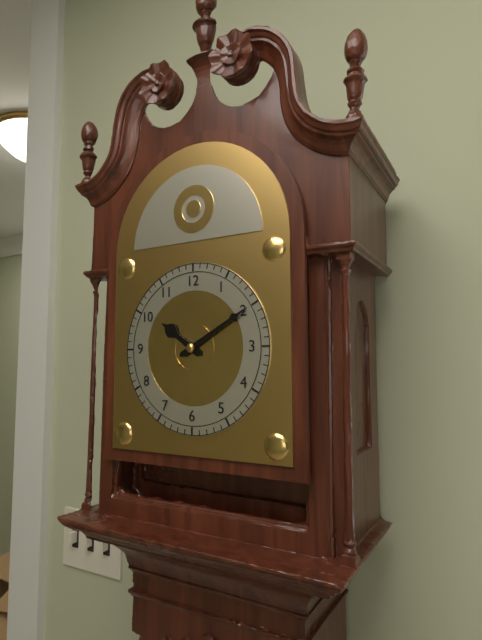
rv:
10 h 10 min
